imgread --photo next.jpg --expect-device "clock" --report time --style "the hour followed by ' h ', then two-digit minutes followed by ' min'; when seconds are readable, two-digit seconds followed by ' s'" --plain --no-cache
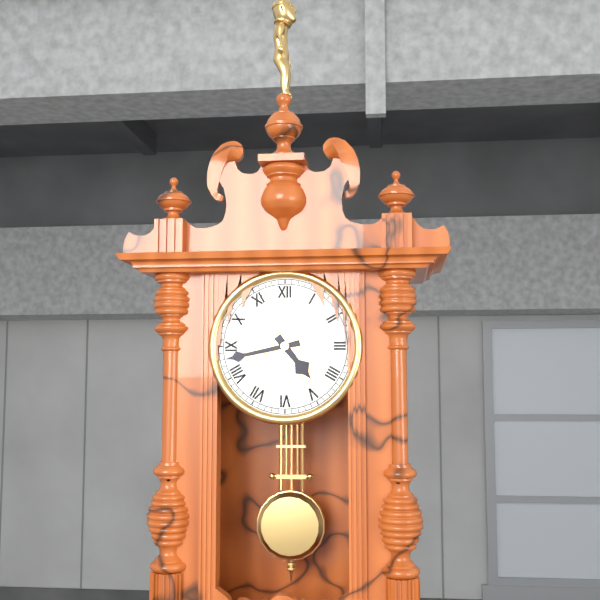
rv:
4 h 43 min
